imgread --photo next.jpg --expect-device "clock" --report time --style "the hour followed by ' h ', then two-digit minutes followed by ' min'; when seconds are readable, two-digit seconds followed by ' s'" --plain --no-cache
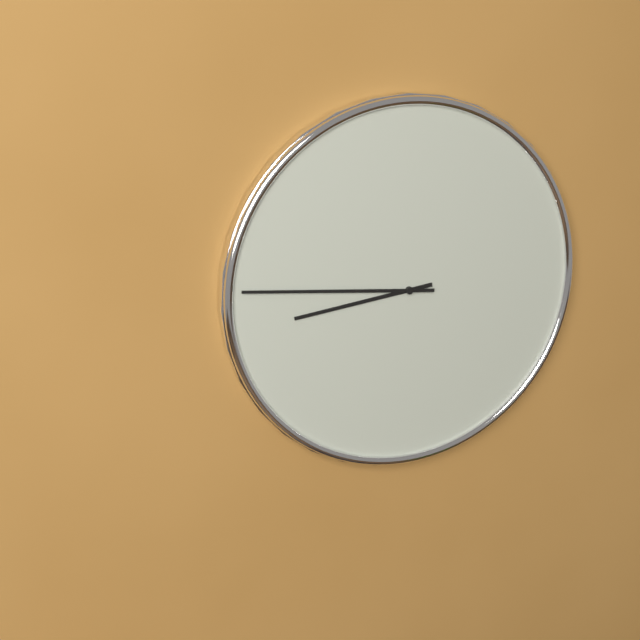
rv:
8 h 46 min
